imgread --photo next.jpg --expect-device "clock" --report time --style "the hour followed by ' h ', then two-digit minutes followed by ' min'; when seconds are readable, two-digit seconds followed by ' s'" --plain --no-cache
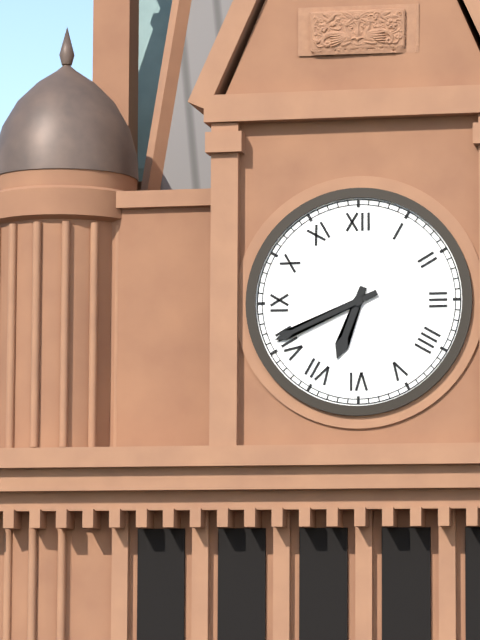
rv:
6 h 41 min
